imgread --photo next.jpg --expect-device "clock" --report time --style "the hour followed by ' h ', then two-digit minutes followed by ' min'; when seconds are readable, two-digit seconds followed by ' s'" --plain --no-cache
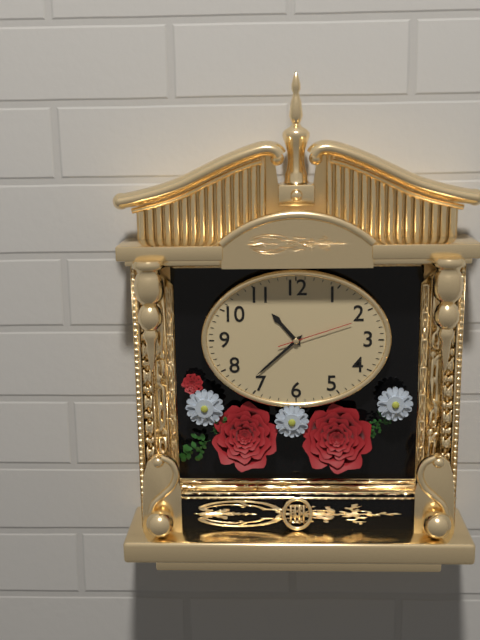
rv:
10 h 38 min 12 s
